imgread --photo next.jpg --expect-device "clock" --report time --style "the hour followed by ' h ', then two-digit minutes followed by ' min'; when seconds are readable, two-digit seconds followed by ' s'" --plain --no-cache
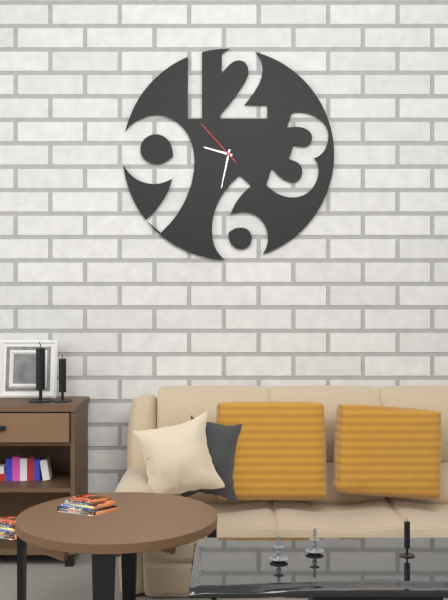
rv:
9 h 32 min 53 s
